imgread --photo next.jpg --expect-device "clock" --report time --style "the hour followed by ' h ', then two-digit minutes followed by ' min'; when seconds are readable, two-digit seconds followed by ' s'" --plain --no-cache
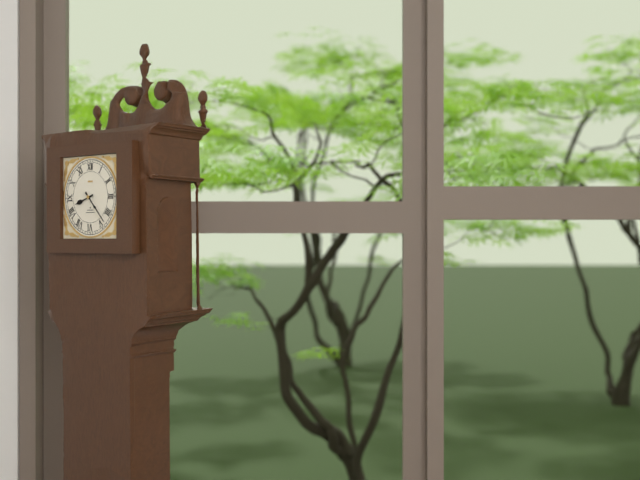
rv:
8 h 23 min
